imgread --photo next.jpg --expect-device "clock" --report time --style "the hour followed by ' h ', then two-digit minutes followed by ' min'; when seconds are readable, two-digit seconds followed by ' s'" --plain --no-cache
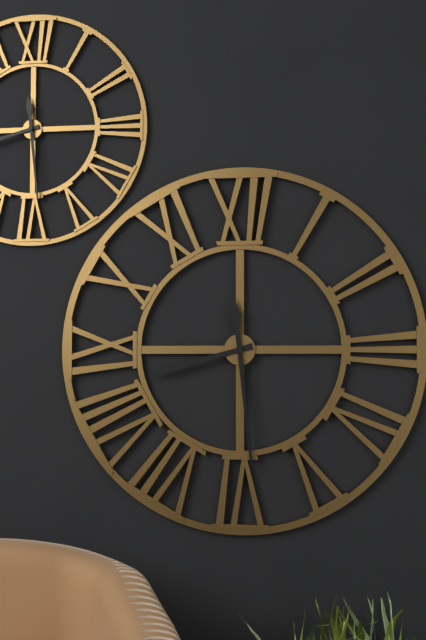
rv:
8 h 29 min
